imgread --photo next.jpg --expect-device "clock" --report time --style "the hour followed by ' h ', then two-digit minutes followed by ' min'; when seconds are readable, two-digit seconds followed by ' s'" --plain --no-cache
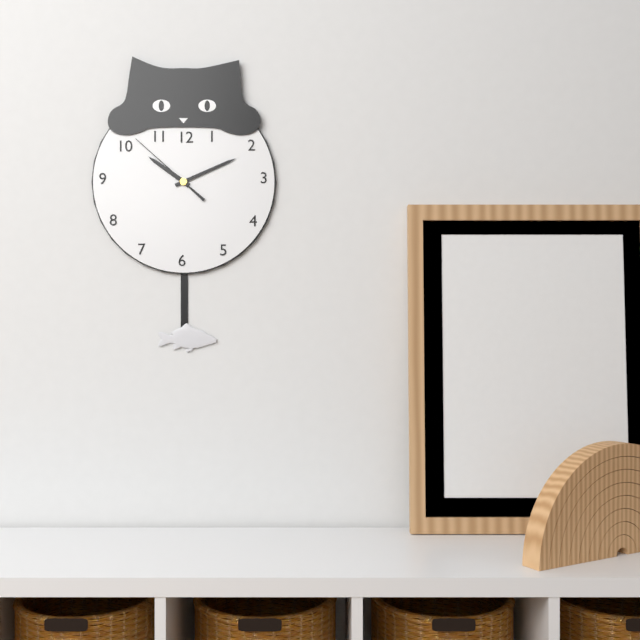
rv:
10 h 11 min 52 s
